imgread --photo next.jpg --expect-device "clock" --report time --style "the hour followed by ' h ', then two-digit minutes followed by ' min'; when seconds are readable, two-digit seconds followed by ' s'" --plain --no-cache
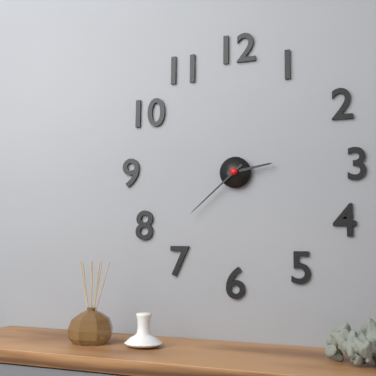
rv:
2 h 38 min
